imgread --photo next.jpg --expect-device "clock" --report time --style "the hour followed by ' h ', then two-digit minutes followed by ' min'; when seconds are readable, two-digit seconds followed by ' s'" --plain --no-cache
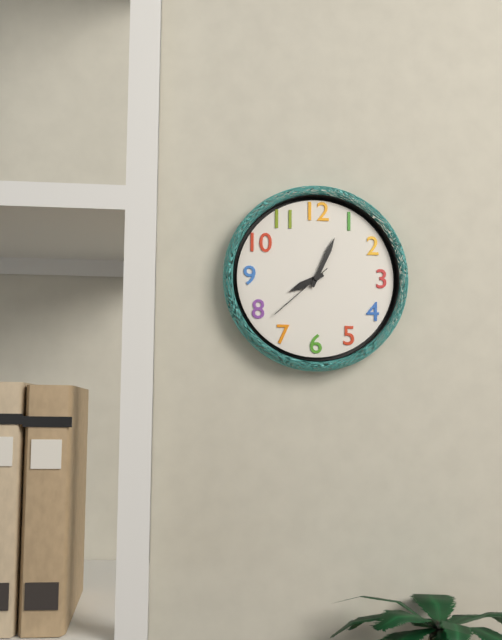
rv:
8 h 04 min 38 s
